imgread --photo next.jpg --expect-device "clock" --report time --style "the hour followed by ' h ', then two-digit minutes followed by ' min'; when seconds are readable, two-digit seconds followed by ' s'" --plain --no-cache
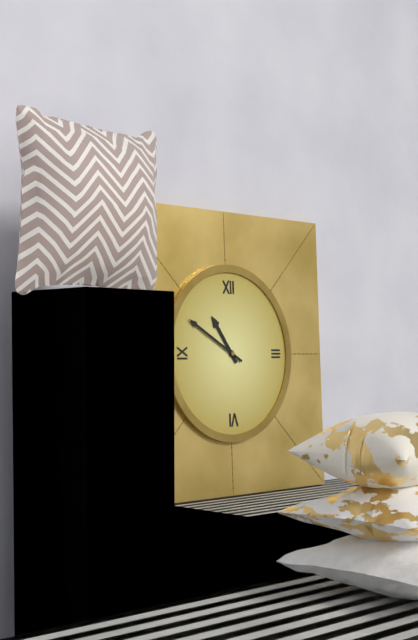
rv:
10 h 50 min
